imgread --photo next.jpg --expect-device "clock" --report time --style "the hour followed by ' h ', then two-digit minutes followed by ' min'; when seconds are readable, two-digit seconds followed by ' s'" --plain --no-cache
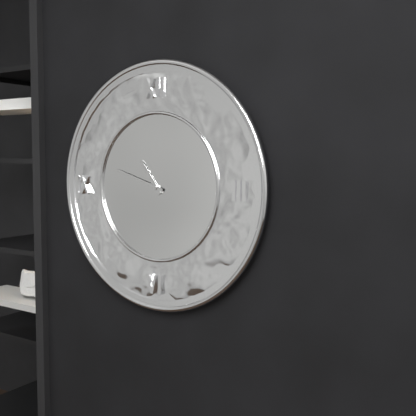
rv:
10 h 48 min
